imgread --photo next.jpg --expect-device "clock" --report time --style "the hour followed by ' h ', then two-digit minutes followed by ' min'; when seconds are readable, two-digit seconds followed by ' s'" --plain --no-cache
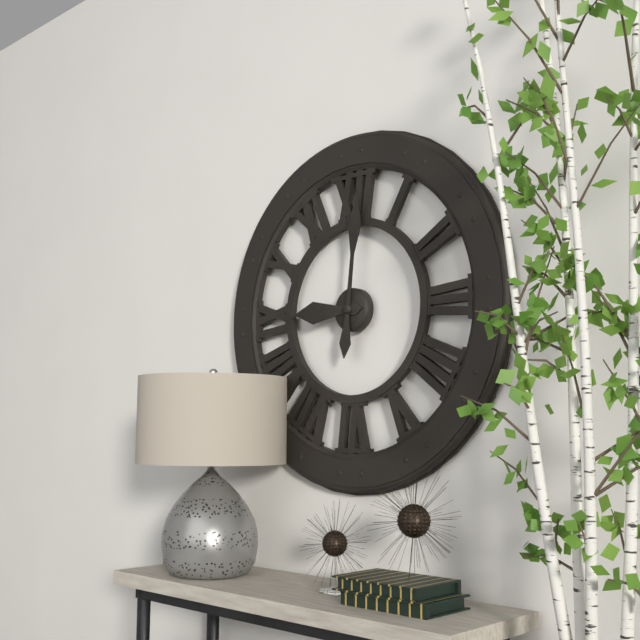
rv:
9 h 01 min
